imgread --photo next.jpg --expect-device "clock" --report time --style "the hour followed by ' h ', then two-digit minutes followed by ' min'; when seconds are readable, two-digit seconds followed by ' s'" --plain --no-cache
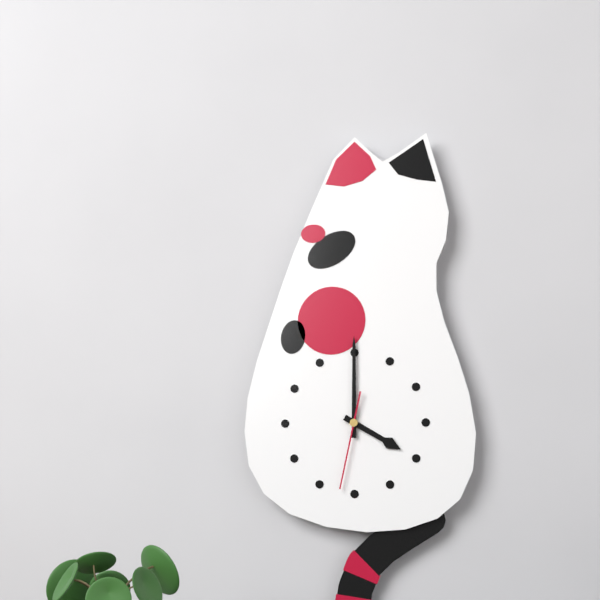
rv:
4 h 00 min 32 s
